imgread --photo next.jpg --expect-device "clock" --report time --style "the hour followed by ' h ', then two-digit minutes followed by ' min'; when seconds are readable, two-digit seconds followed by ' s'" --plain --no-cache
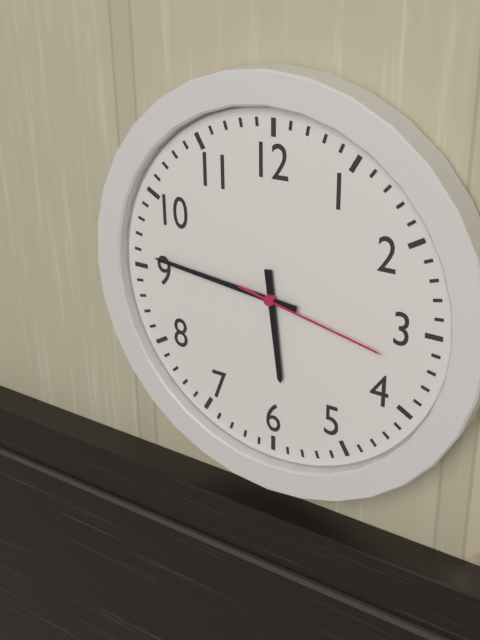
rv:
5 h 46 min 17 s
